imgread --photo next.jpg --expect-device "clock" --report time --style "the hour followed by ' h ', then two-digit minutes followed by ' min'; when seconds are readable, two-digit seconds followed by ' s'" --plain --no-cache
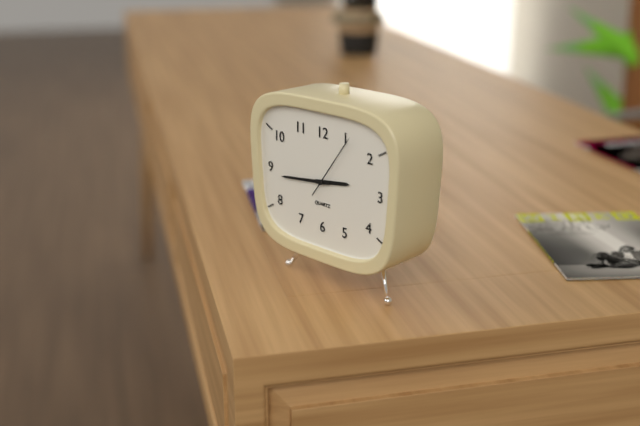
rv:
2 h 44 min 06 s
